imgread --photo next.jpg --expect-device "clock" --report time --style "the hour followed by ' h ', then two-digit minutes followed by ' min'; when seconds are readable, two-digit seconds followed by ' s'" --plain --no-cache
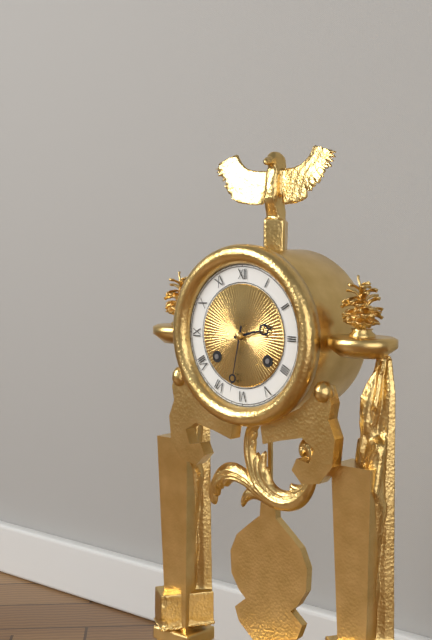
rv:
2 h 32 min
